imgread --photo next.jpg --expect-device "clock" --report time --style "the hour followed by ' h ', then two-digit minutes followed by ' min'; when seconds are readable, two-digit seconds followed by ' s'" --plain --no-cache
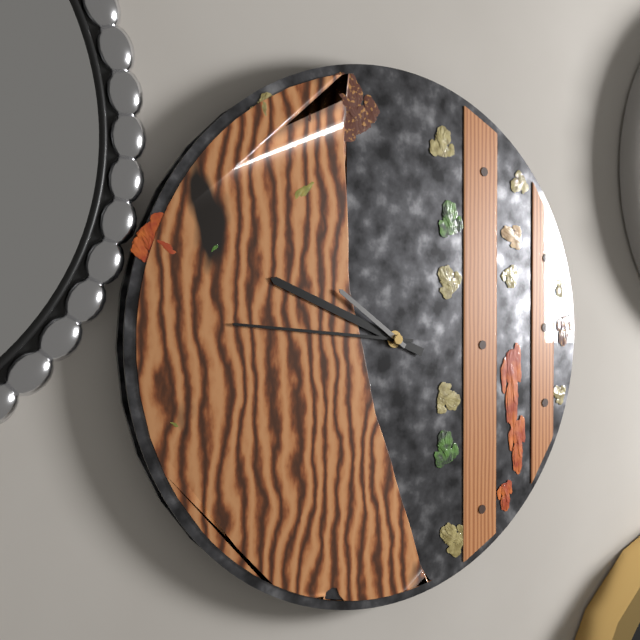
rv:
9 h 46 min 51 s
